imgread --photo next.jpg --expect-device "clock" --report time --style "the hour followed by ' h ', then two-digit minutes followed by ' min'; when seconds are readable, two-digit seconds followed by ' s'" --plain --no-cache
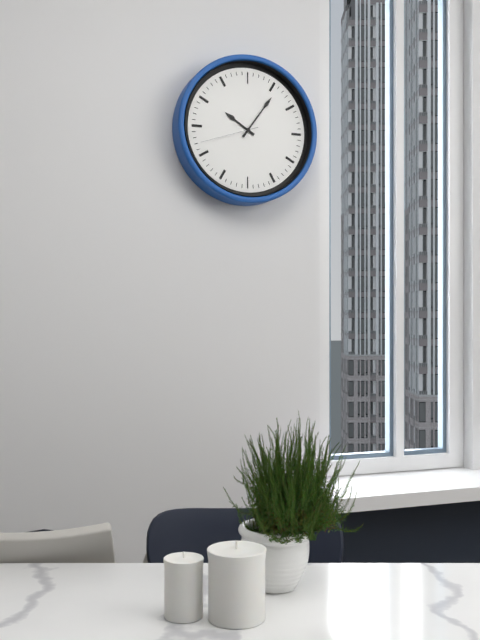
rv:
10 h 06 min 42 s
